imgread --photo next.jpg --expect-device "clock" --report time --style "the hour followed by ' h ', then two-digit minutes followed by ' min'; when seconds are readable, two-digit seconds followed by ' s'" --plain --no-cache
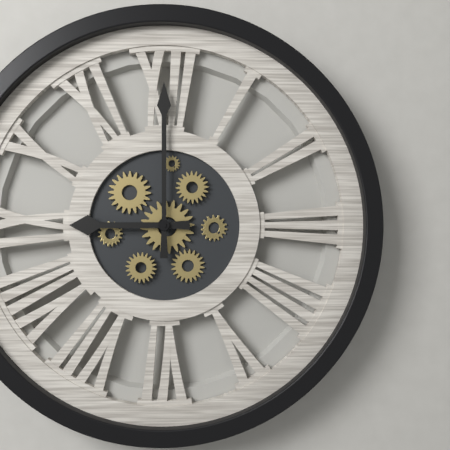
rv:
9 h 00 min
